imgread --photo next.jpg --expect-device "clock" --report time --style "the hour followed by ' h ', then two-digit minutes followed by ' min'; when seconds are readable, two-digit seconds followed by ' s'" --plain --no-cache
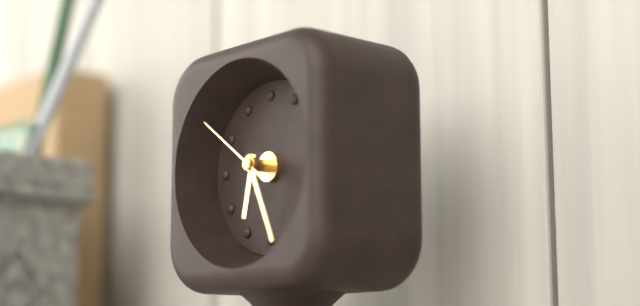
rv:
6 h 26 min 51 s
